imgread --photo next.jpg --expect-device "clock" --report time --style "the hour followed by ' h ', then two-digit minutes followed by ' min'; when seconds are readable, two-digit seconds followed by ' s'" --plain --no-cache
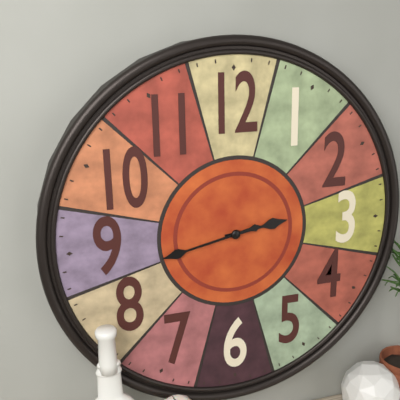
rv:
2 h 43 min
